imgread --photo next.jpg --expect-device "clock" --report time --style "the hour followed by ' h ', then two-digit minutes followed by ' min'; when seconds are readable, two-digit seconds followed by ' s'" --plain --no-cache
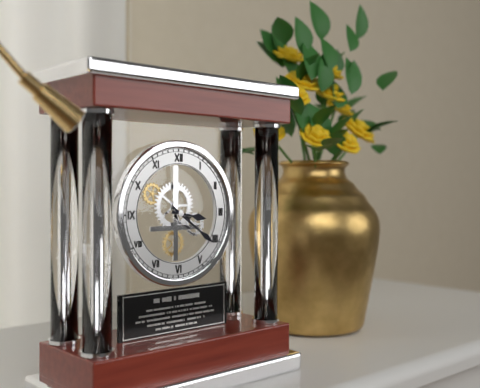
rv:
3 h 21 min
